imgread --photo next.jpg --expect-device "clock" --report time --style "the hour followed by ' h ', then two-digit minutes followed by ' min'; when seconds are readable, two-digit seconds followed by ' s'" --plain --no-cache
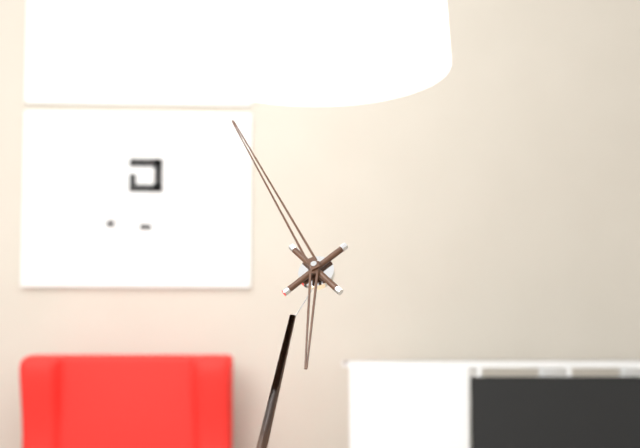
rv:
5 h 55 min
